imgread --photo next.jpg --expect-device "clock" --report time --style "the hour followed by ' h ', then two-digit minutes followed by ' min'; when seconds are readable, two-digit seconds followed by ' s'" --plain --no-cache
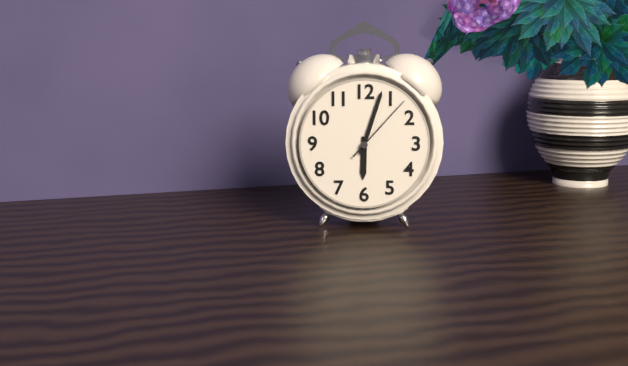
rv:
6 h 03 min 07 s
